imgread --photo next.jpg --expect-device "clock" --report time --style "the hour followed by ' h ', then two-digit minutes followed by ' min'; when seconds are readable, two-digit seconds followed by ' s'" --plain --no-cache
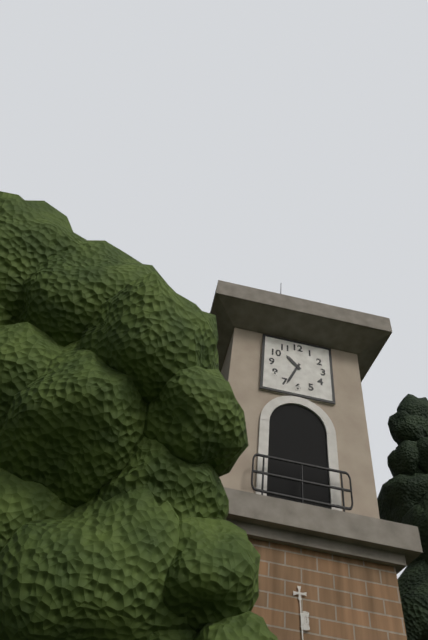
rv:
10 h 34 min
